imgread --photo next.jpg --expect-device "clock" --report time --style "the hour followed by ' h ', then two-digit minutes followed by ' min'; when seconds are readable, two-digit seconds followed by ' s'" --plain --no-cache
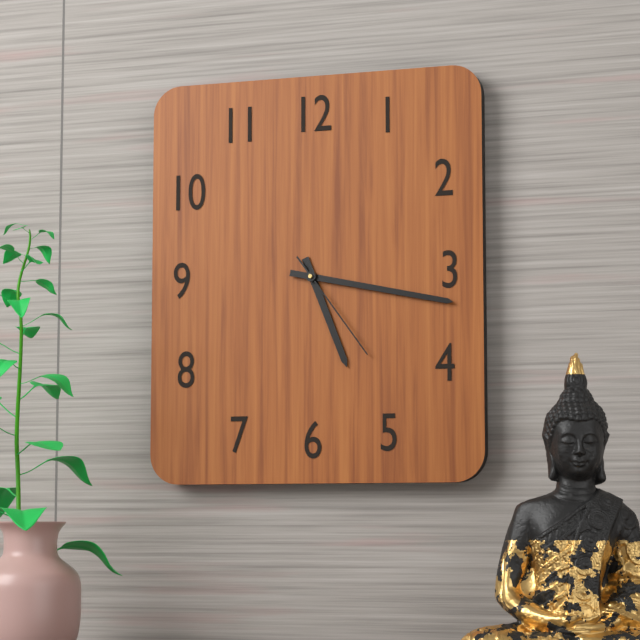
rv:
5 h 17 min 24 s
